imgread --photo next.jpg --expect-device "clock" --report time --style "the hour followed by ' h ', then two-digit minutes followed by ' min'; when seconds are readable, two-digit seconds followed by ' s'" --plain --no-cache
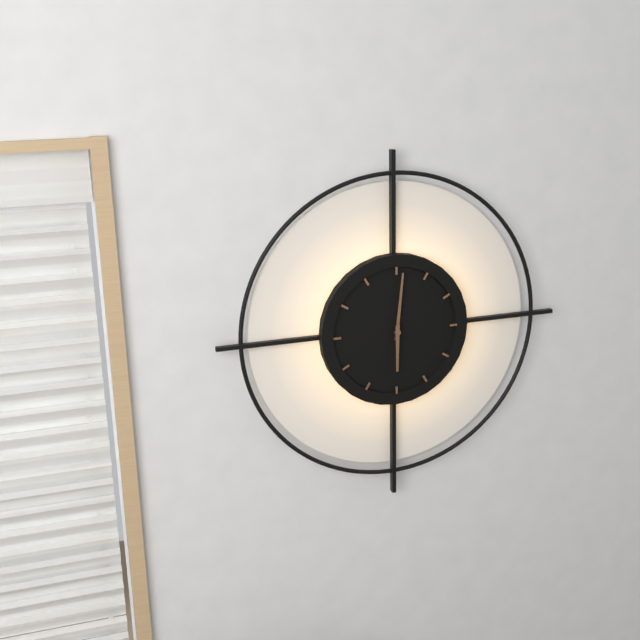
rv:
6 h 01 min
